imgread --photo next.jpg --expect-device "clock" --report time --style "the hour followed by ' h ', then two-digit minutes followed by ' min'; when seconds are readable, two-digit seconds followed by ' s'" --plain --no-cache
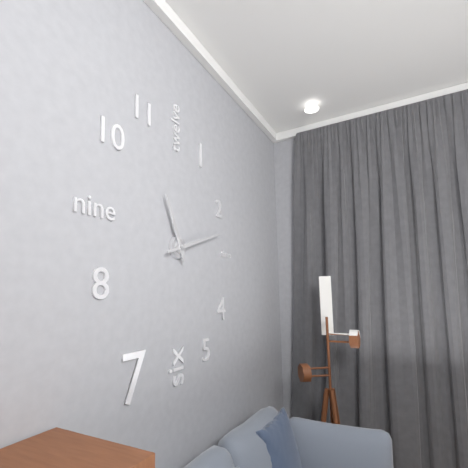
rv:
11 h 12 min
